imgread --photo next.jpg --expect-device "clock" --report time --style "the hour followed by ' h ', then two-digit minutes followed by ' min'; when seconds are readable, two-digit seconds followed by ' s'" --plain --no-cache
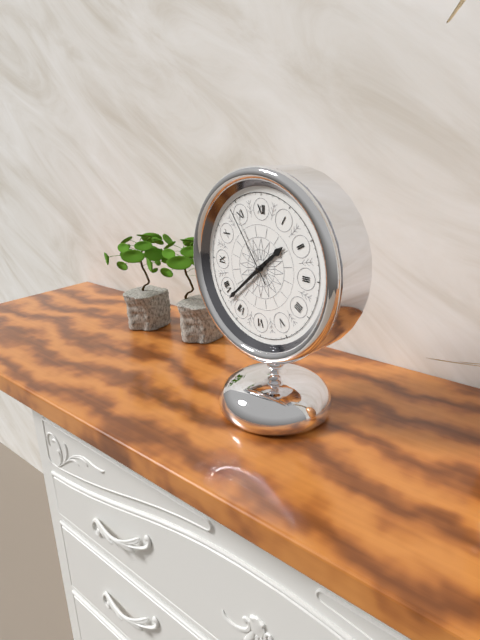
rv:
1 h 38 min 54 s
